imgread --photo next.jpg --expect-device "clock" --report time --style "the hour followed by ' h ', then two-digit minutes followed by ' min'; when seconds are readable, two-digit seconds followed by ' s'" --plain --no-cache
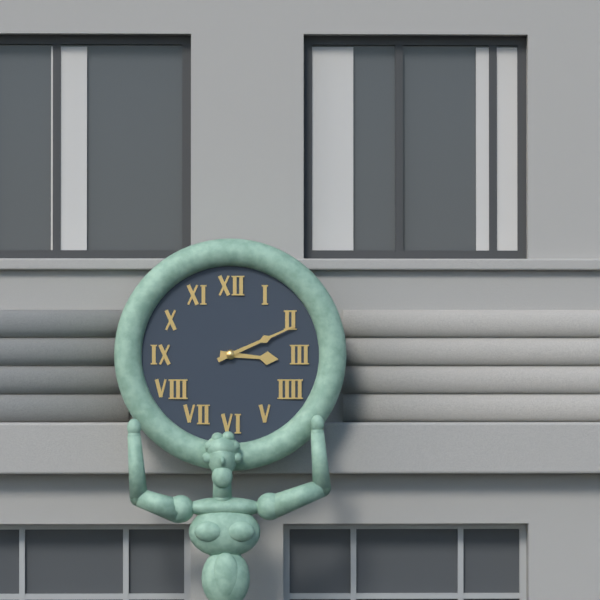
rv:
3 h 11 min
